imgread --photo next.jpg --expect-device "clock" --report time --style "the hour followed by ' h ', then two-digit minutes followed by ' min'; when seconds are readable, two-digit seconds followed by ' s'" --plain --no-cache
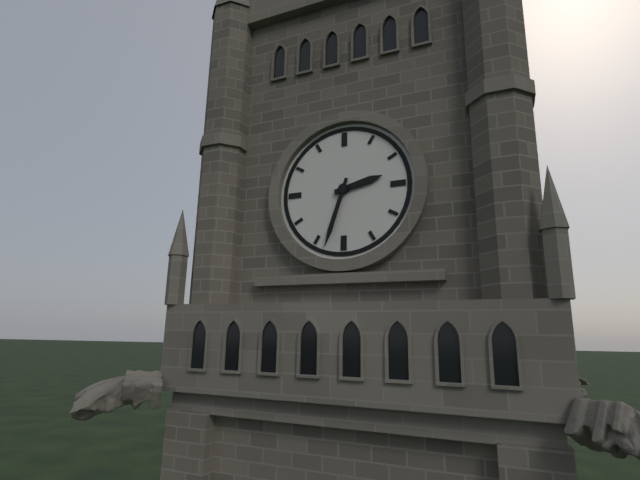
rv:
2 h 33 min
